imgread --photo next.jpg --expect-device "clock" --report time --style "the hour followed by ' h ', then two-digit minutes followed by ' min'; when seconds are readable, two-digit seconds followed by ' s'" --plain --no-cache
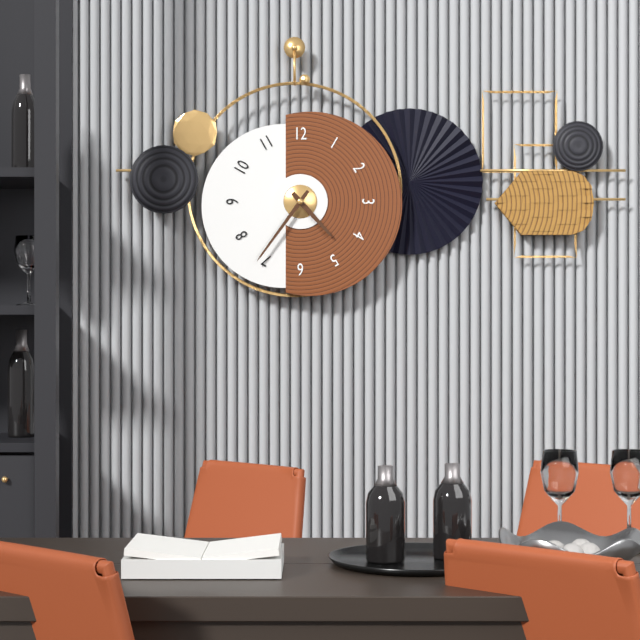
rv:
4 h 36 min
